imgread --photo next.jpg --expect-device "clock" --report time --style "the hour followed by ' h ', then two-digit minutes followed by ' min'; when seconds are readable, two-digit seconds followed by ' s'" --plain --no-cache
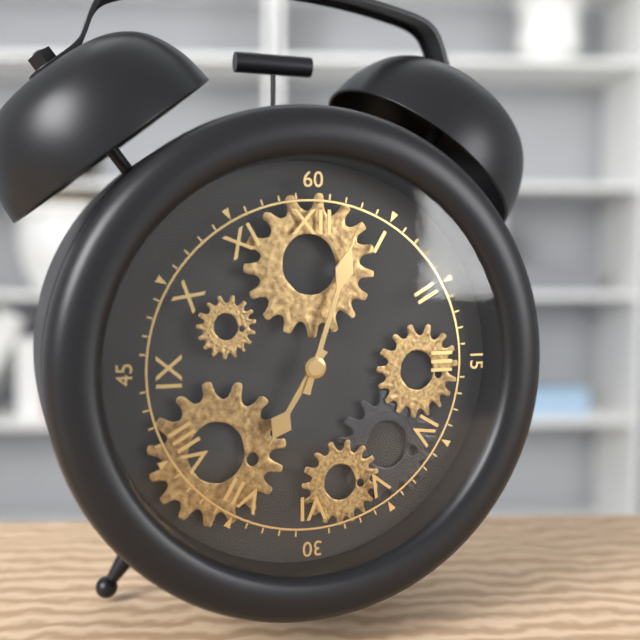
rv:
7 h 03 min
